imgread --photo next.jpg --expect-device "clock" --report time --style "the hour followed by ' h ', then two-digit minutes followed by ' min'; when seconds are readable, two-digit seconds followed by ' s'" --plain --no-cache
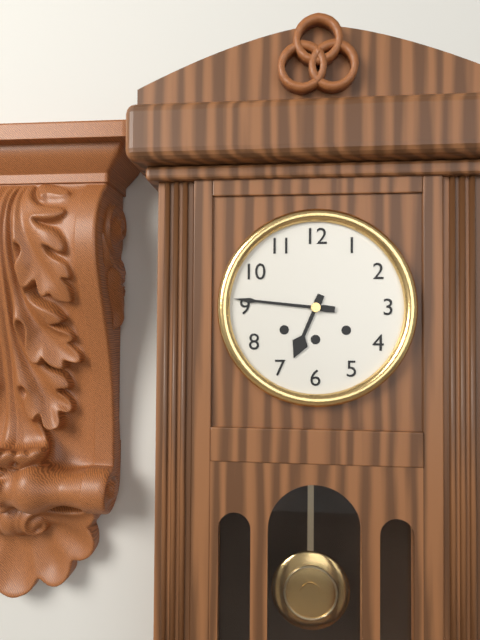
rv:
6 h 46 min
